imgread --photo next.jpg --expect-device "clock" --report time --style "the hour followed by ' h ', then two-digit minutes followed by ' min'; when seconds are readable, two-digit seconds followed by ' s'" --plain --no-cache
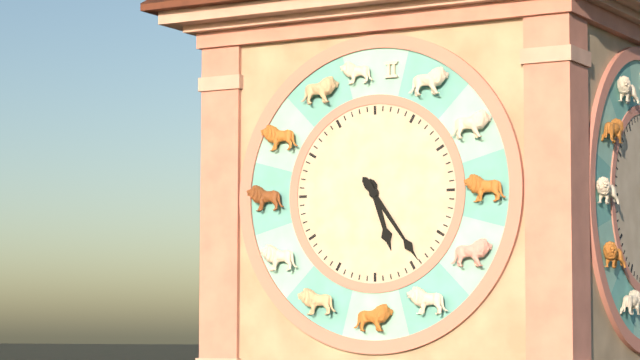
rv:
5 h 24 min
